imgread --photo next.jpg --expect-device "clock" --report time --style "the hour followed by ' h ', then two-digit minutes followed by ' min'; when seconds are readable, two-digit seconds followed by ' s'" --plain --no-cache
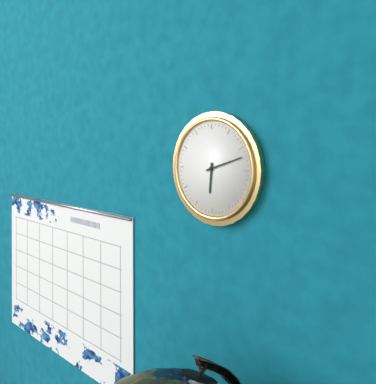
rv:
6 h 12 min
